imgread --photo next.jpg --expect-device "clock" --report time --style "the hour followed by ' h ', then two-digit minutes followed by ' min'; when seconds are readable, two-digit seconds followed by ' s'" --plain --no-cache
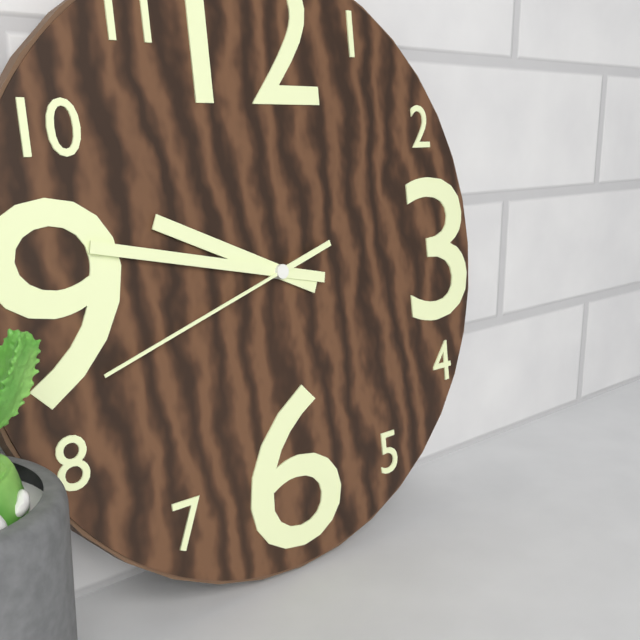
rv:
9 h 47 min 42 s
